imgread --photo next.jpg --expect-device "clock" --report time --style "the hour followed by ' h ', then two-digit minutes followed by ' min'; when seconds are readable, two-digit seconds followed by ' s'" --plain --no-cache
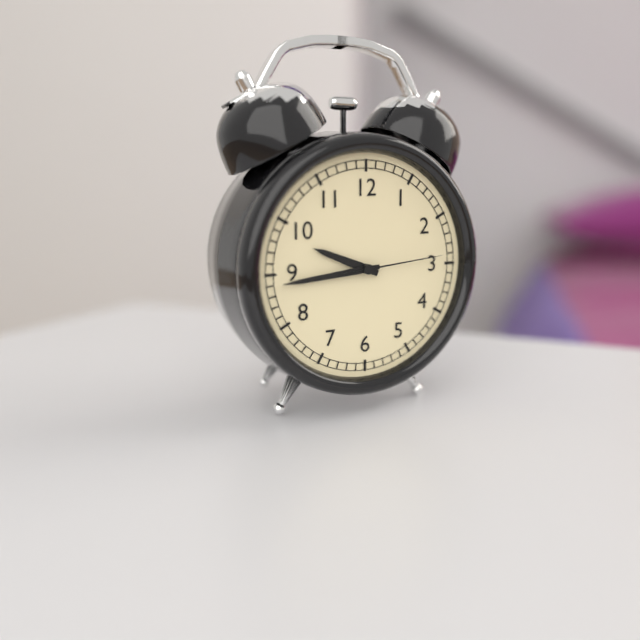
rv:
9 h 44 min 14 s
